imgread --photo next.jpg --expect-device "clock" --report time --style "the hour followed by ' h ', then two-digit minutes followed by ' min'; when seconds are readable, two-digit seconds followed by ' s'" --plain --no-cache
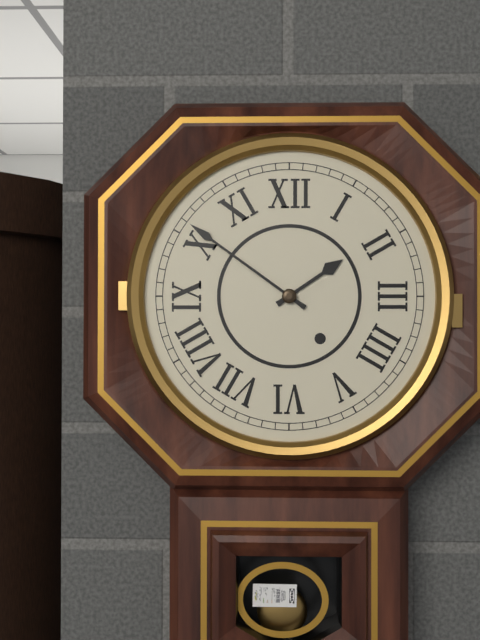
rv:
1 h 51 min
